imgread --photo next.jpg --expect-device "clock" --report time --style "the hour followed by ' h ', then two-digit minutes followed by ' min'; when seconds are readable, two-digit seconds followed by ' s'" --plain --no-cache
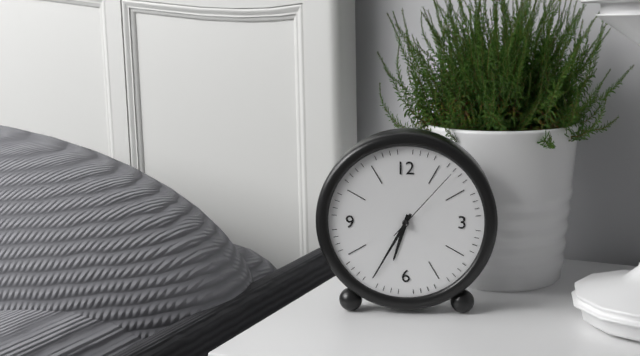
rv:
6 h 35 min 07 s
